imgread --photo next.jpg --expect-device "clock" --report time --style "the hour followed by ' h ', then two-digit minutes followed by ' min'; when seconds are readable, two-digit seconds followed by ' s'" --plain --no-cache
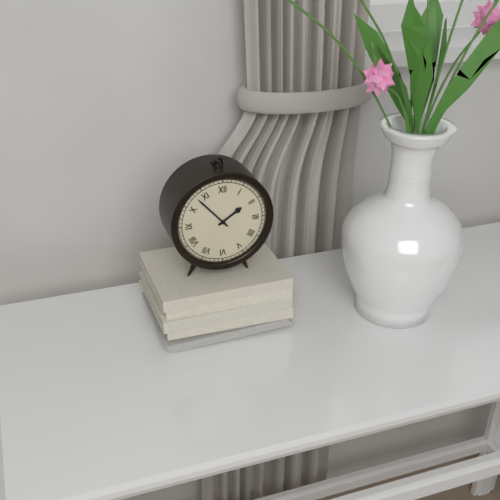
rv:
1 h 53 min
